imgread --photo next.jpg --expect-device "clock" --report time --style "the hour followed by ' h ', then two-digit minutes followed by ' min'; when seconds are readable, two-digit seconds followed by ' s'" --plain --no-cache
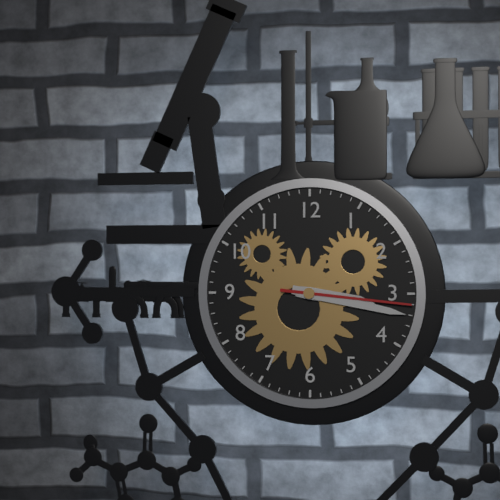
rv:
3 h 17 min 16 s
